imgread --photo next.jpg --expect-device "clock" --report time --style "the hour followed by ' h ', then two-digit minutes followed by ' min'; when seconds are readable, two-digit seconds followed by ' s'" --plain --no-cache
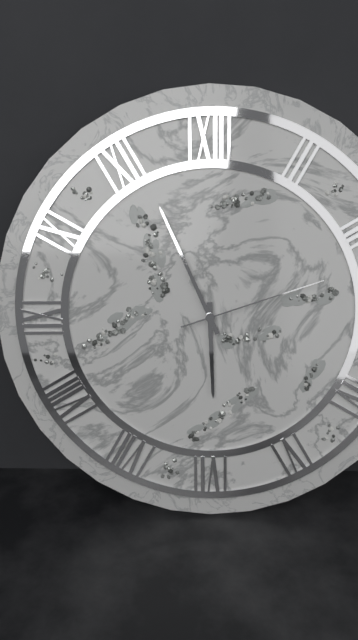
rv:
5 h 56 min 12 s
